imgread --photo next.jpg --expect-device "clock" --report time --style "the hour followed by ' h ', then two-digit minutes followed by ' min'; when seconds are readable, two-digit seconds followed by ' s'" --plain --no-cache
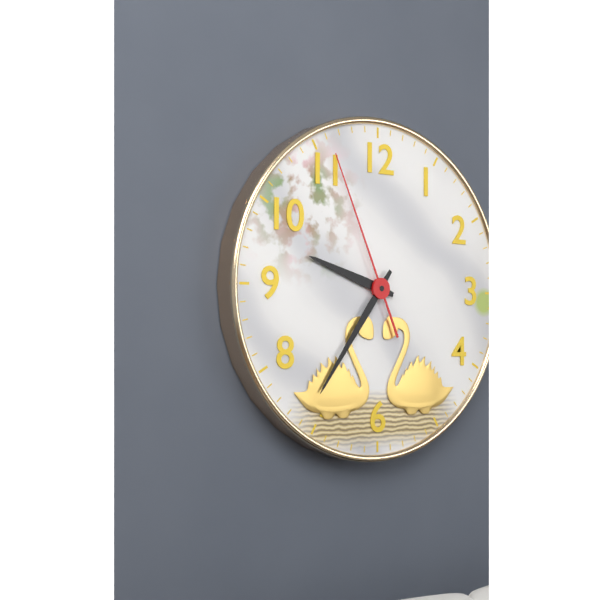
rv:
9 h 36 min 56 s
